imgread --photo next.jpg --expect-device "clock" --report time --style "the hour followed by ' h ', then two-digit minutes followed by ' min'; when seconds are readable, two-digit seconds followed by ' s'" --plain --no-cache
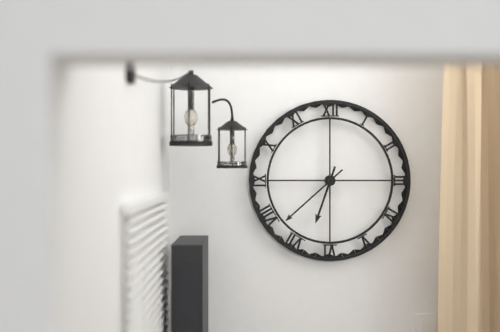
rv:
6 h 38 min
